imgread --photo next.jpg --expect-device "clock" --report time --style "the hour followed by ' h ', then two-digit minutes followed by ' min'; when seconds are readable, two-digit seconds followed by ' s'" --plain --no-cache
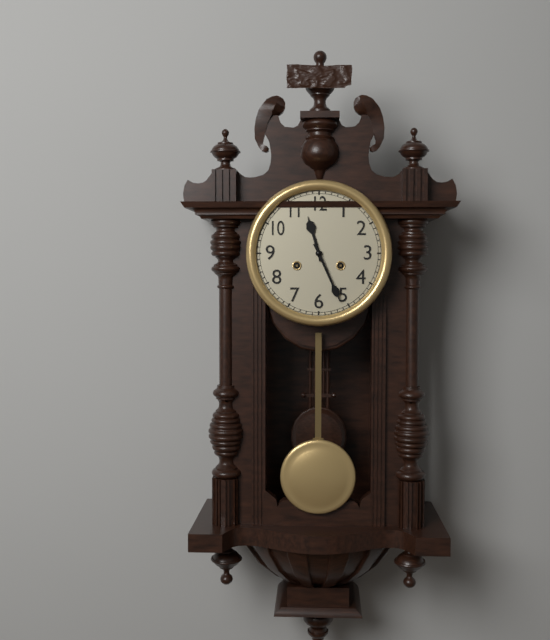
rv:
11 h 26 min
